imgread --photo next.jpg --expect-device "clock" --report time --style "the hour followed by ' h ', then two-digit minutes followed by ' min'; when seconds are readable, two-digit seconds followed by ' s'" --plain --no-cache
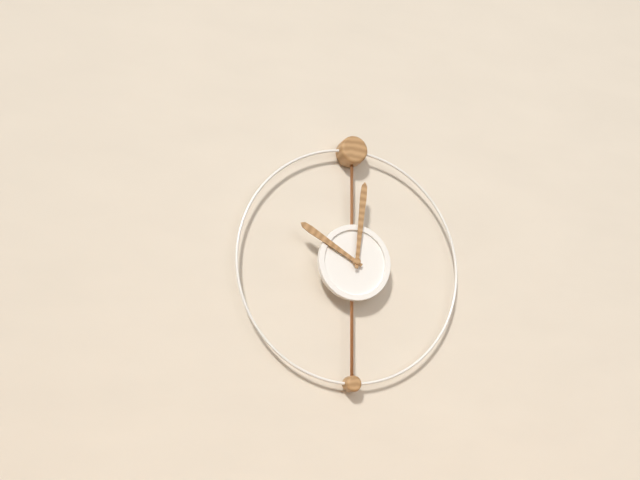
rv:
10 h 01 min
